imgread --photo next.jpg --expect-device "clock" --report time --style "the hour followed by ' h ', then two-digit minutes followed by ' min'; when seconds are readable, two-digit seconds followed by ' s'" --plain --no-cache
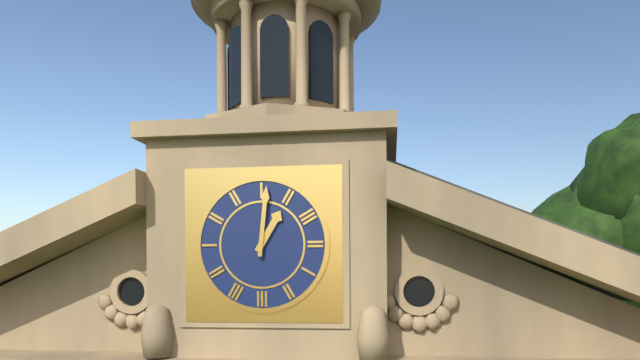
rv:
1 h 01 min
